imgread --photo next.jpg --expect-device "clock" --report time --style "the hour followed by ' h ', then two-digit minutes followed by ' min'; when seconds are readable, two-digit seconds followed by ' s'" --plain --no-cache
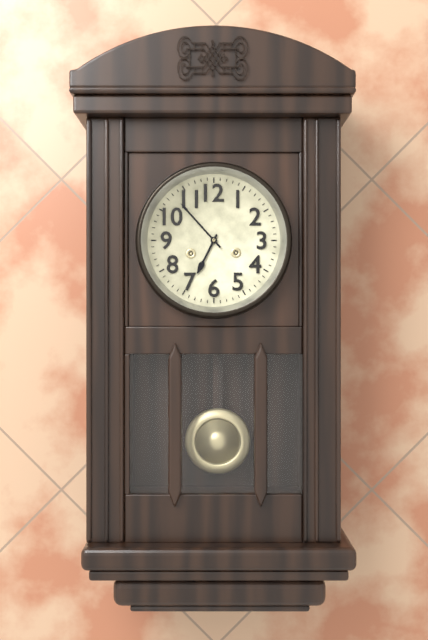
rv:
6 h 53 min
